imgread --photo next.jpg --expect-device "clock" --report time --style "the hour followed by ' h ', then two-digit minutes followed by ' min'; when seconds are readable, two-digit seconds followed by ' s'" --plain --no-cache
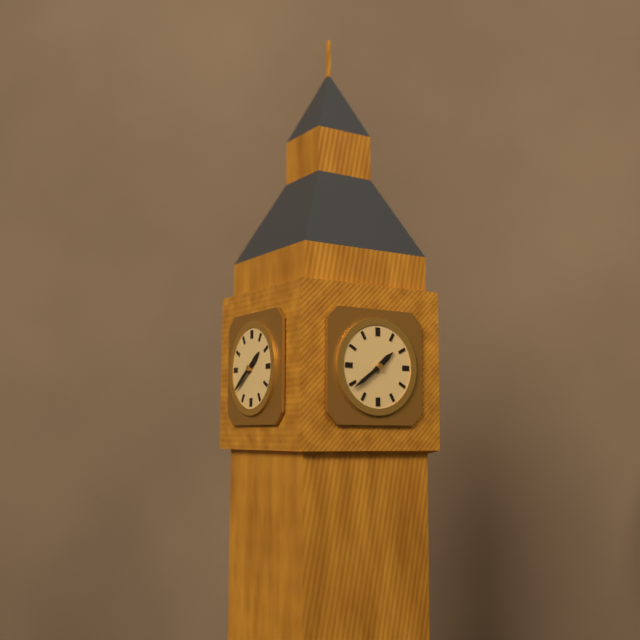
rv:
1 h 39 min
